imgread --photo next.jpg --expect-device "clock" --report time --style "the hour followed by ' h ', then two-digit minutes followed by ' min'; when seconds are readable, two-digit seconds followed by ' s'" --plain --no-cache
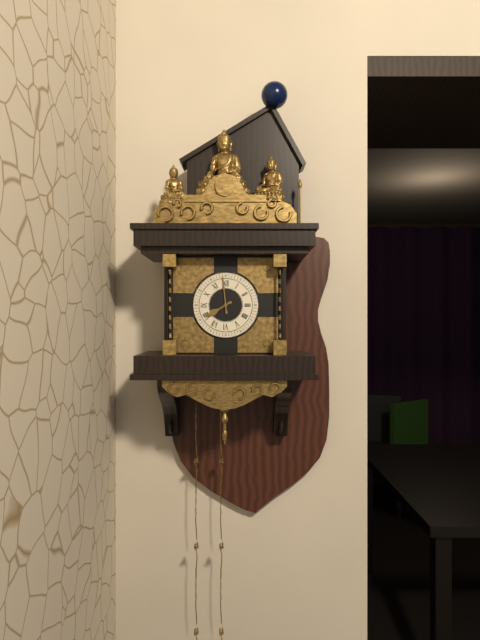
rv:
7 h 59 min
